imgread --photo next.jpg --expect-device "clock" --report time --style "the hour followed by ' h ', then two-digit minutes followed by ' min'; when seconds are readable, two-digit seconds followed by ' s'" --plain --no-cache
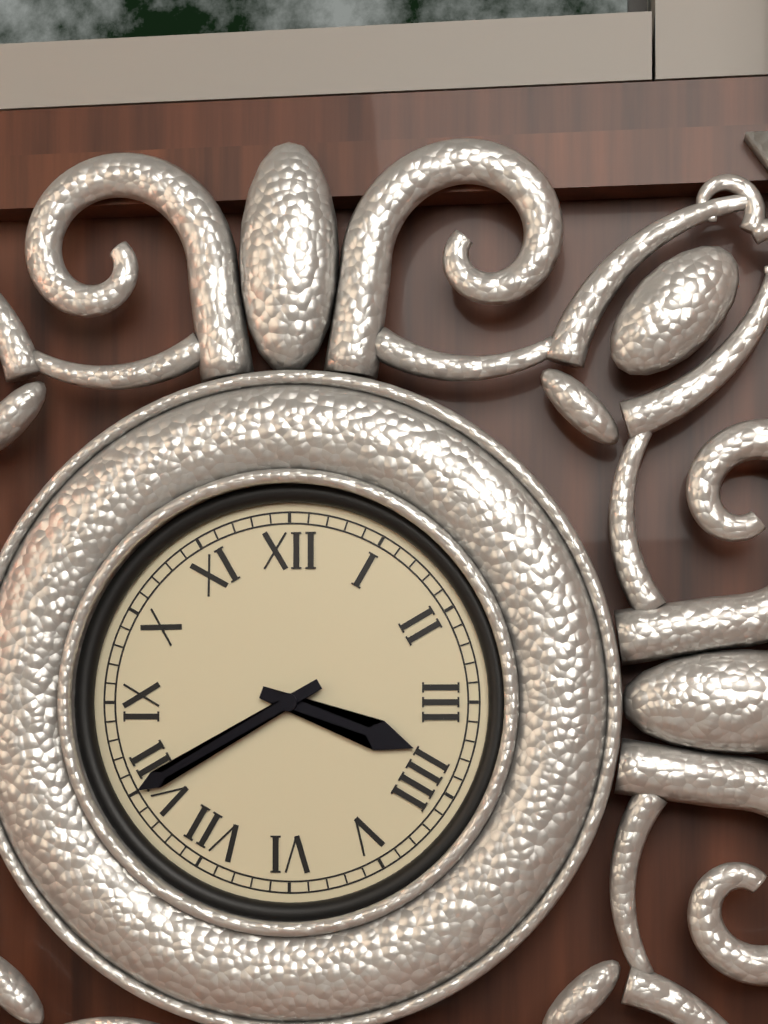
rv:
3 h 40 min
